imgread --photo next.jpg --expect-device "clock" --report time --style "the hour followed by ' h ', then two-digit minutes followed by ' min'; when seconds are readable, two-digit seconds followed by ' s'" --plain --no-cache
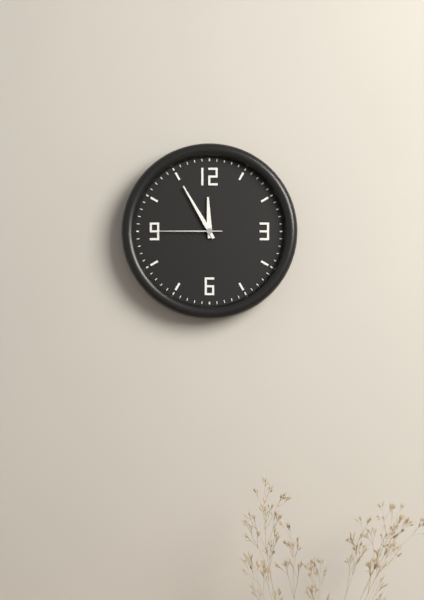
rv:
11 h 55 min 45 s
